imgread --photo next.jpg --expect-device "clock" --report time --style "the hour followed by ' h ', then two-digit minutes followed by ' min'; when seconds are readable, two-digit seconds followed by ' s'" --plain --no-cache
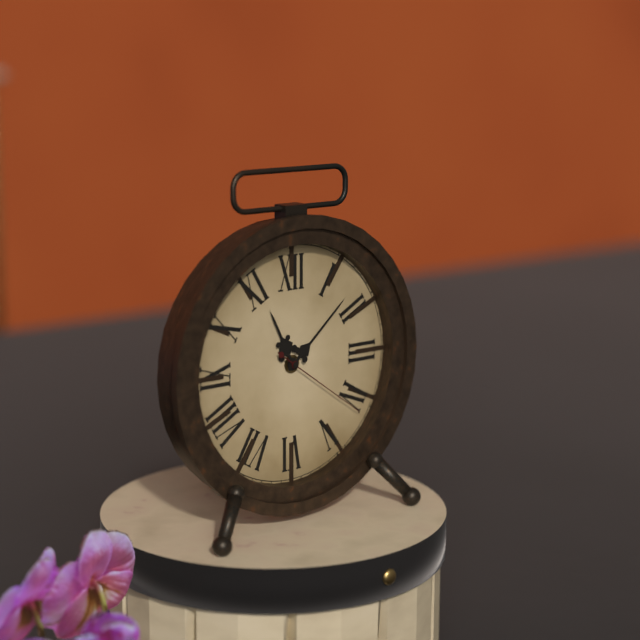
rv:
11 h 08 min 21 s
